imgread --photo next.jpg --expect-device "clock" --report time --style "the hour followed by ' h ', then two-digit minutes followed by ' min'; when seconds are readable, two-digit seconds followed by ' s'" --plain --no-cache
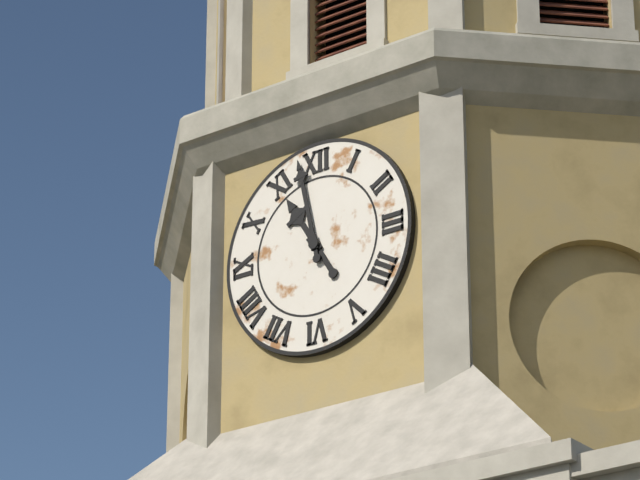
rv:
10 h 58 min
